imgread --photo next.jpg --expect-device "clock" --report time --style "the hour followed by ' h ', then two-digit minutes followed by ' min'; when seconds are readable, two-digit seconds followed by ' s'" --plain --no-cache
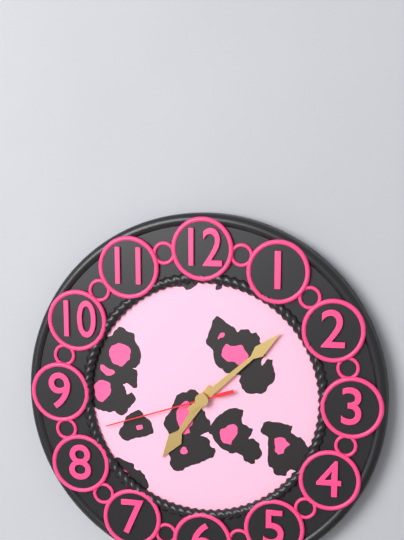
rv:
7 h 08 min 42 s
